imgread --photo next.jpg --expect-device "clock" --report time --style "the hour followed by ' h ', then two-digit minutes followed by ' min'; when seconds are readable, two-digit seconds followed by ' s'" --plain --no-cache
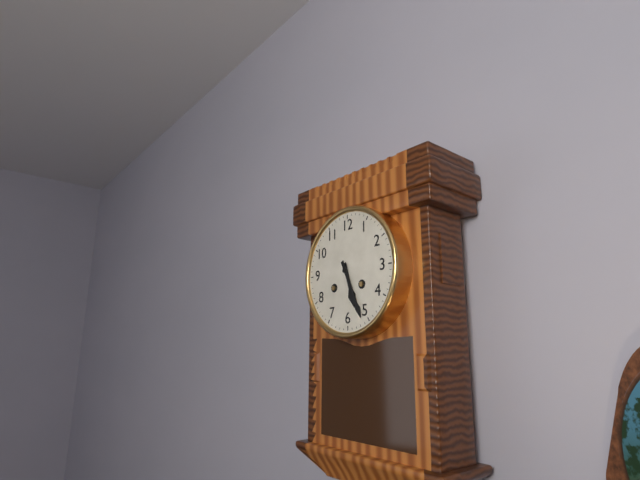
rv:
5 h 26 min
